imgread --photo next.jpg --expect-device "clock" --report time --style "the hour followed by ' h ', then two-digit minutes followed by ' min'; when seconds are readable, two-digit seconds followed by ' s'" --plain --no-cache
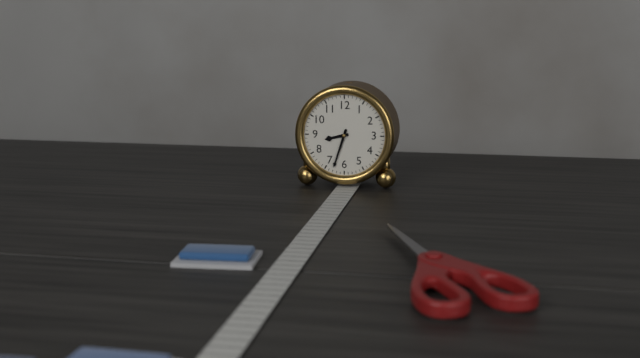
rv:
8 h 33 min
